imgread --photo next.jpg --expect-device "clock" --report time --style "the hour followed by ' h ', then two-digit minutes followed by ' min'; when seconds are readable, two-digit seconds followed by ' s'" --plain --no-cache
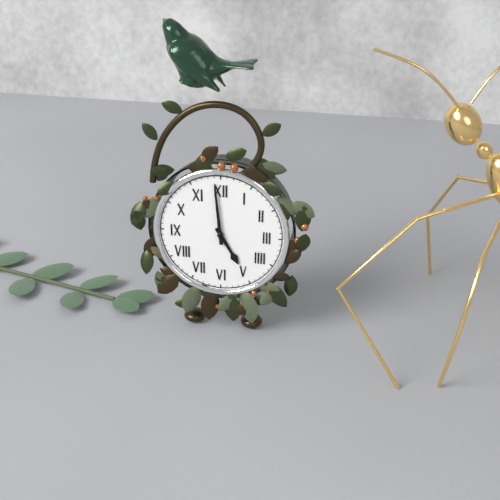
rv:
4 h 59 min
